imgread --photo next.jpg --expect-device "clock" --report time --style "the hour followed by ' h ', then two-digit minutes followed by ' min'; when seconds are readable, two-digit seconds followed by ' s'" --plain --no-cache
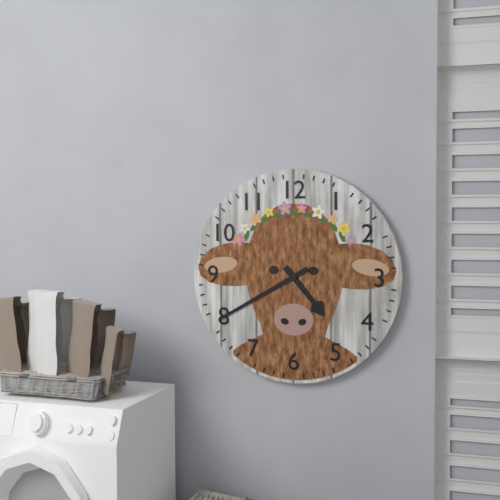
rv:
4 h 40 min
